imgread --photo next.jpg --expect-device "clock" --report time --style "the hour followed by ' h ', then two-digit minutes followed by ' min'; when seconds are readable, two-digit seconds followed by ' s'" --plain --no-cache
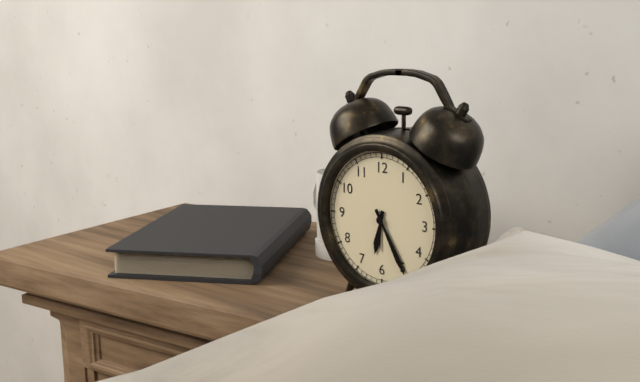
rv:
6 h 25 min
